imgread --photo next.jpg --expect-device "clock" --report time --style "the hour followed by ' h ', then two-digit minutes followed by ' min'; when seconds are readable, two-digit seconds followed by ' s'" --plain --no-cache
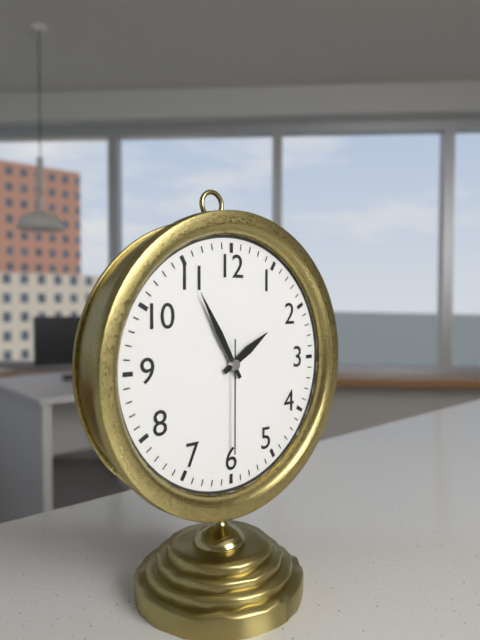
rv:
1 h 55 min 30 s
